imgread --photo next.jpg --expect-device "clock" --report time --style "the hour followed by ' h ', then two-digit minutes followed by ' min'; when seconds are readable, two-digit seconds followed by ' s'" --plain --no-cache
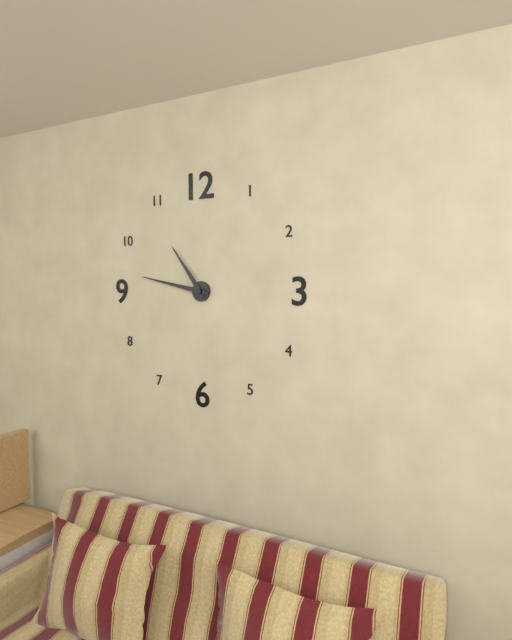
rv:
10 h 47 min
